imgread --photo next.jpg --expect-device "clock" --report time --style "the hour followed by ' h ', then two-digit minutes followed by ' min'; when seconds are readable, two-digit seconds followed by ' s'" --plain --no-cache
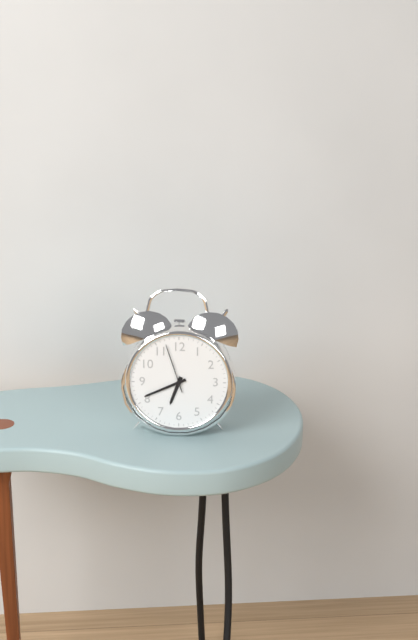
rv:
6 h 41 min 57 s
